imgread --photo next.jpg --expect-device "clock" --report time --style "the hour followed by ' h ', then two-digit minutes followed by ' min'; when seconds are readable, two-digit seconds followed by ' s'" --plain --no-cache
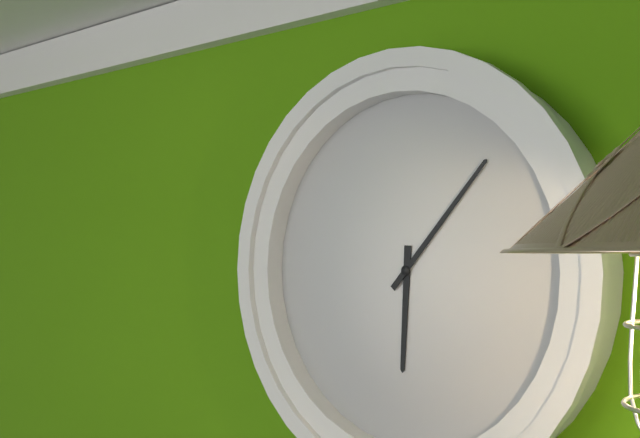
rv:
6 h 07 min
